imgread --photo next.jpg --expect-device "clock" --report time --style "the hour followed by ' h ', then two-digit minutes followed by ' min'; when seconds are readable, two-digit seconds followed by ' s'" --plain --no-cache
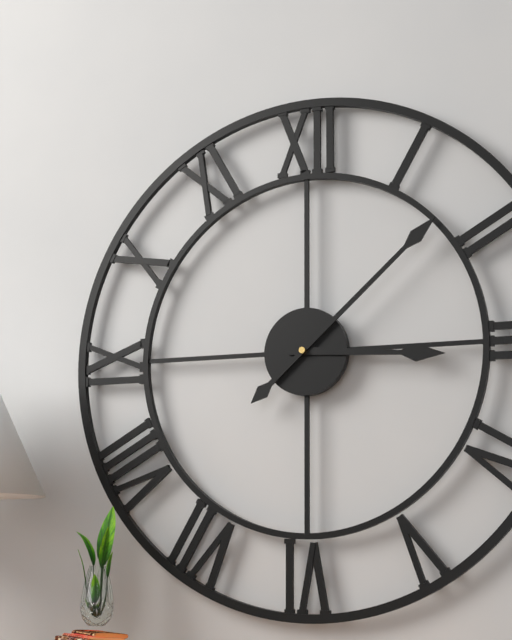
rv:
3 h 08 min
